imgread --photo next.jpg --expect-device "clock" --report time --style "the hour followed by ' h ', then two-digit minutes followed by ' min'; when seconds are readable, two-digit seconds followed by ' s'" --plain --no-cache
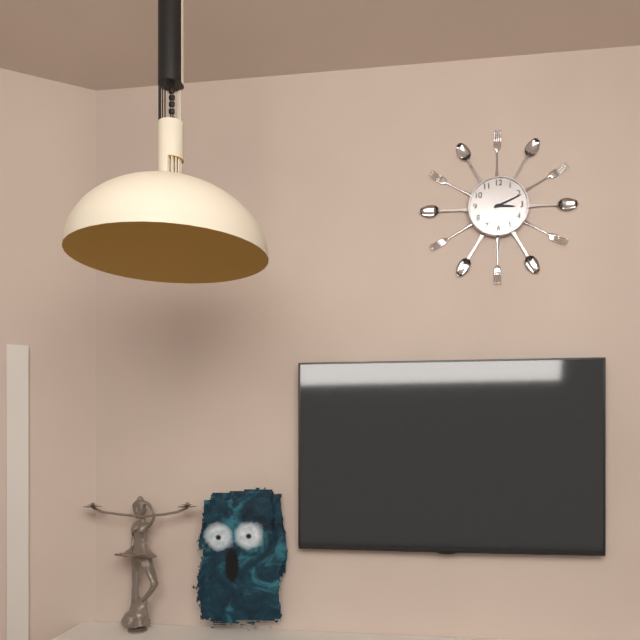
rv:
3 h 11 min
